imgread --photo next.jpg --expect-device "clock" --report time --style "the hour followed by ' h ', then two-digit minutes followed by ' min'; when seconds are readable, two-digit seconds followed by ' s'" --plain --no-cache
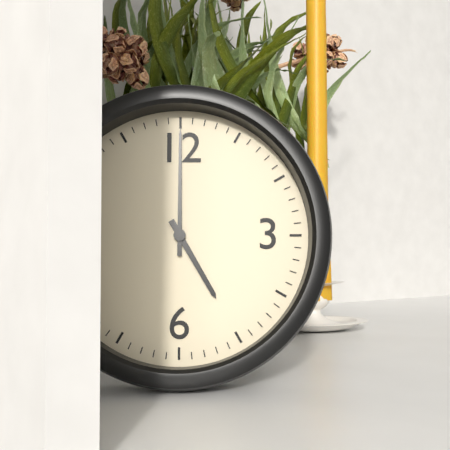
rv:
5 h 00 min
